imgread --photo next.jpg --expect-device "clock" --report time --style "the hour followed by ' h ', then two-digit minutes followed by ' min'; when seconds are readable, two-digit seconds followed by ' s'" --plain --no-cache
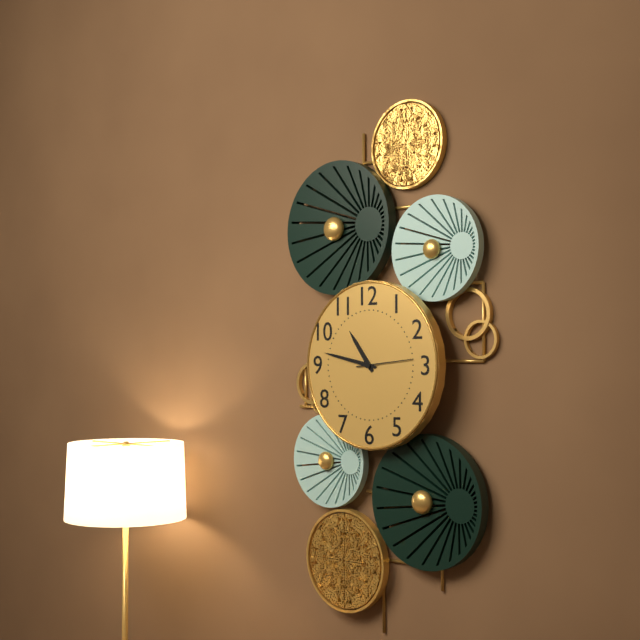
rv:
10 h 47 min 14 s
